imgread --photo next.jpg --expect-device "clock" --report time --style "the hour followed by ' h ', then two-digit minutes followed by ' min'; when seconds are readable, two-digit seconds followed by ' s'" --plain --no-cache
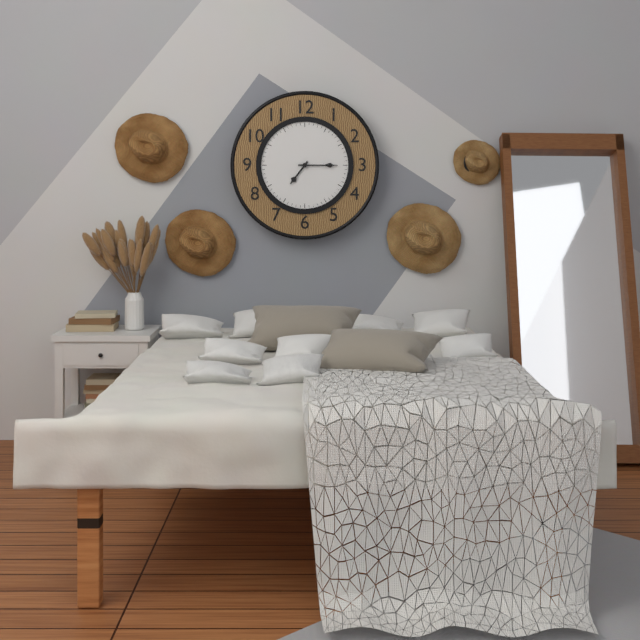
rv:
7 h 15 min
